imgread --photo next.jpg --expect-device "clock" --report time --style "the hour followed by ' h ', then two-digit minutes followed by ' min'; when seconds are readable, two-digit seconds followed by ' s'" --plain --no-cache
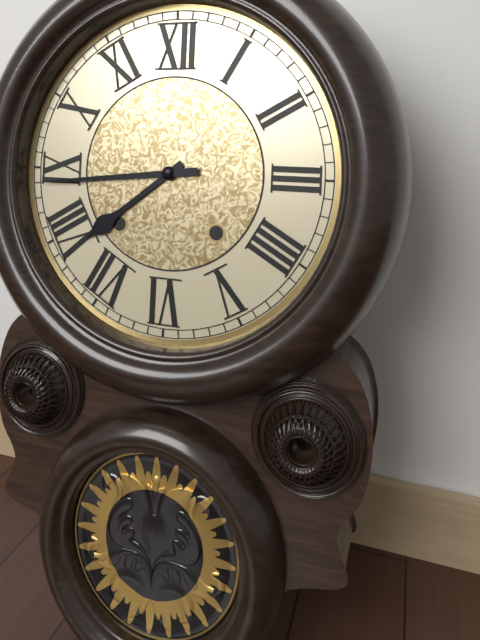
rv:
7 h 44 min
